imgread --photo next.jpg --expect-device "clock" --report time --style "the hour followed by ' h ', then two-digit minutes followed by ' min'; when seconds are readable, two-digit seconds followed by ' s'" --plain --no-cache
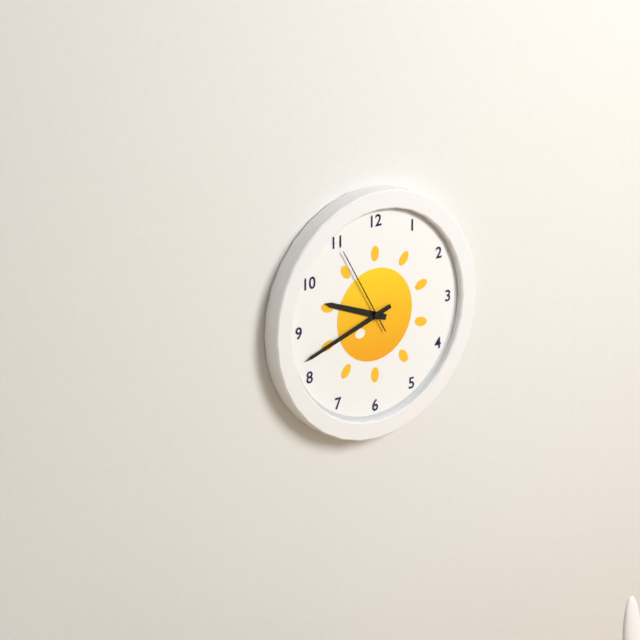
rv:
9 h 42 min 55 s
